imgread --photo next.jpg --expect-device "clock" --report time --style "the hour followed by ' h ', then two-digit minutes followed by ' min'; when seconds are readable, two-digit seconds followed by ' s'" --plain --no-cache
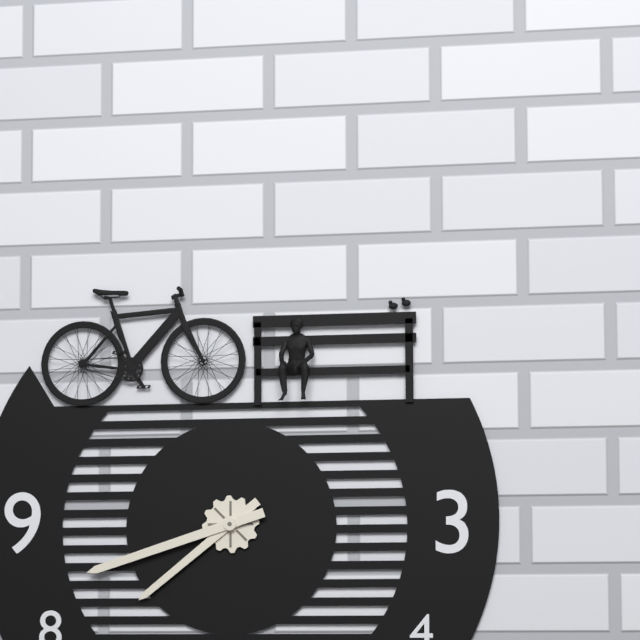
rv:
7 h 42 min
